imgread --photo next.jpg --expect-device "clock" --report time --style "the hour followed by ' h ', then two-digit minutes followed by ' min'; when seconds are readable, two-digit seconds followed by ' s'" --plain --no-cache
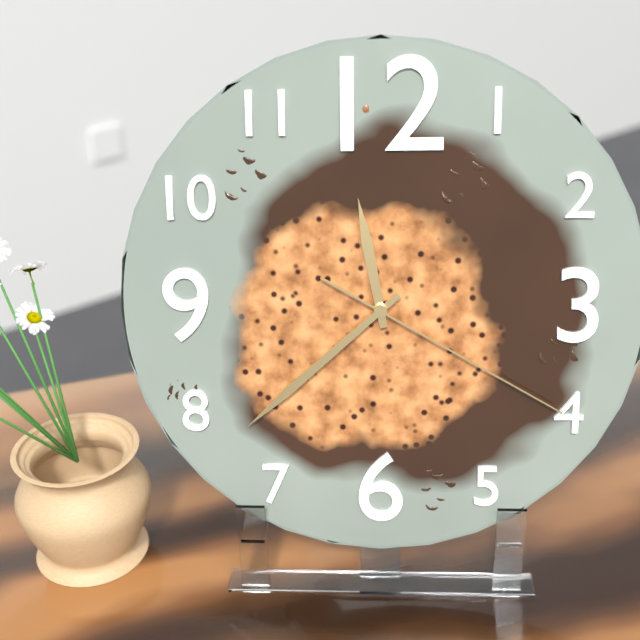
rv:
11 h 38 min 20 s
